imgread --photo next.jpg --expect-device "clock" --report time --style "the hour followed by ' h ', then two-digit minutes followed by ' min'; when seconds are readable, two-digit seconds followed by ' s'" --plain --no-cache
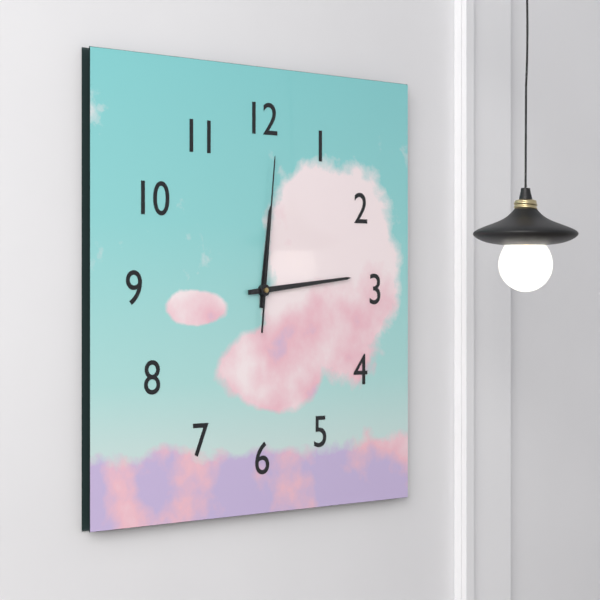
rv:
12 h 14 min 01 s
